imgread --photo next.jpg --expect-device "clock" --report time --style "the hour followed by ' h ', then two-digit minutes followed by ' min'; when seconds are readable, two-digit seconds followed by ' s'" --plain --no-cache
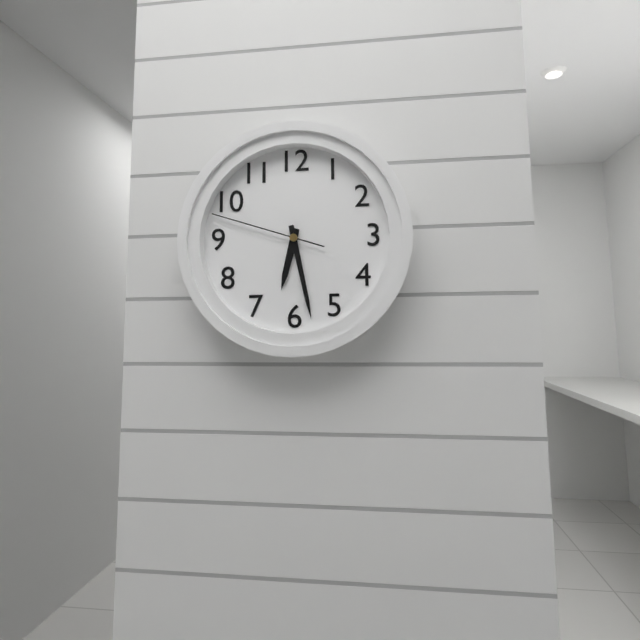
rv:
6 h 28 min 48 s
